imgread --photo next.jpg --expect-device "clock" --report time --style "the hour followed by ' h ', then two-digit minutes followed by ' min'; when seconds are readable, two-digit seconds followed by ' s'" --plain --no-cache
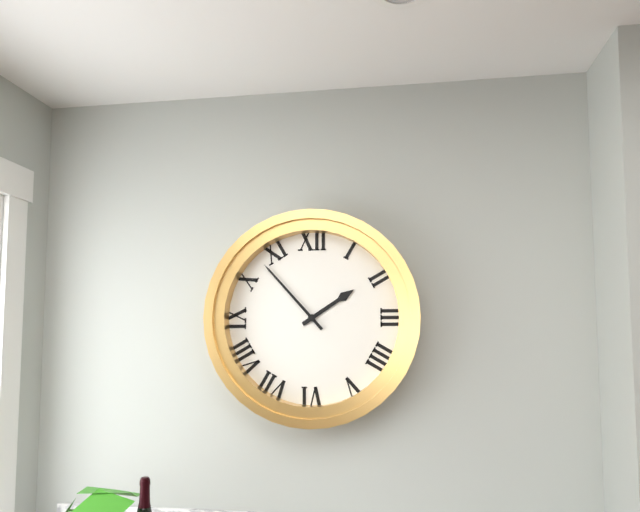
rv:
1 h 53 min
